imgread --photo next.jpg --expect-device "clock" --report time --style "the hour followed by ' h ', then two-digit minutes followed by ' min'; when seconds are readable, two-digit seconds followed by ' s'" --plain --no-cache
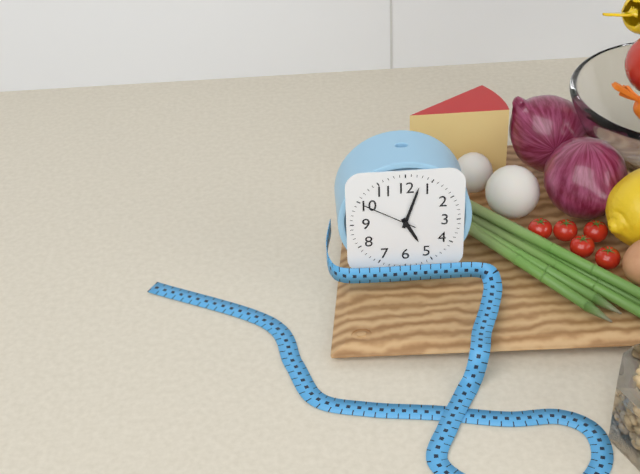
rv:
5 h 03 min 50 s
